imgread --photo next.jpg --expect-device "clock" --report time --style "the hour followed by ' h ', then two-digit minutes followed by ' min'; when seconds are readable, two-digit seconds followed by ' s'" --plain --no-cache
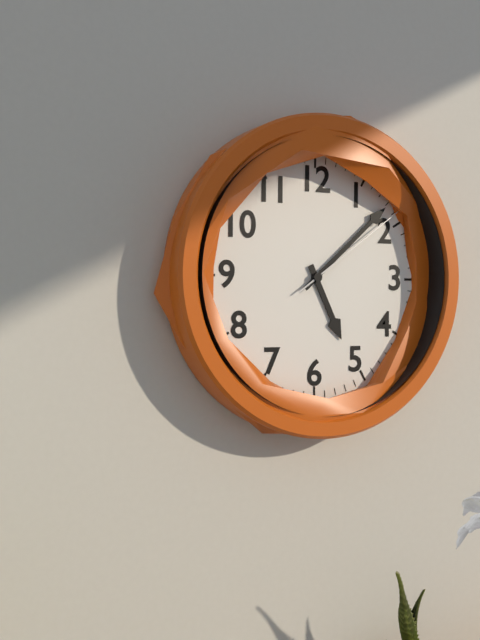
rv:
5 h 08 min 09 s
